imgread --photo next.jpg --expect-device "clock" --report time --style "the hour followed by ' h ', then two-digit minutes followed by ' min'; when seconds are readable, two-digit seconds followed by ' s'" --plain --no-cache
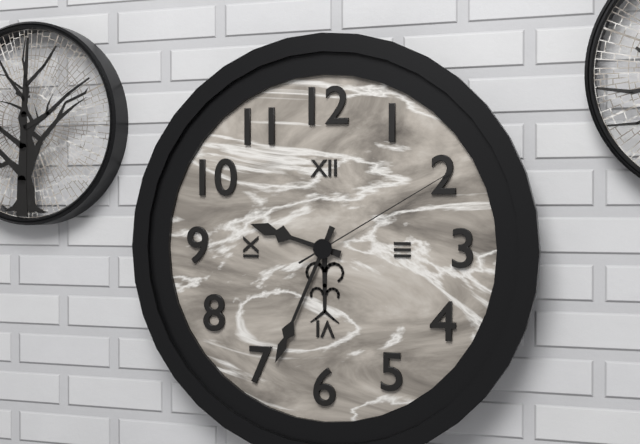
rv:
9 h 34 min 10 s
